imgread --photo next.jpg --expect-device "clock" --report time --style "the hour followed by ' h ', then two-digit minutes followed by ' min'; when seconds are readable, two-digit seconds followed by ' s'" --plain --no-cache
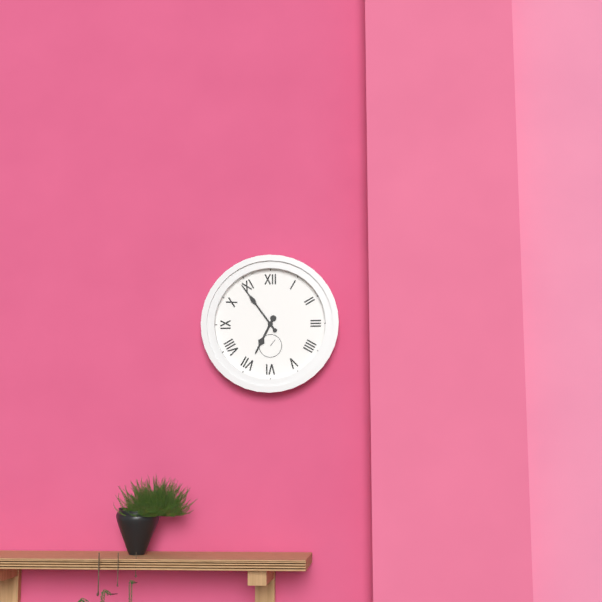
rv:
6 h 54 min
